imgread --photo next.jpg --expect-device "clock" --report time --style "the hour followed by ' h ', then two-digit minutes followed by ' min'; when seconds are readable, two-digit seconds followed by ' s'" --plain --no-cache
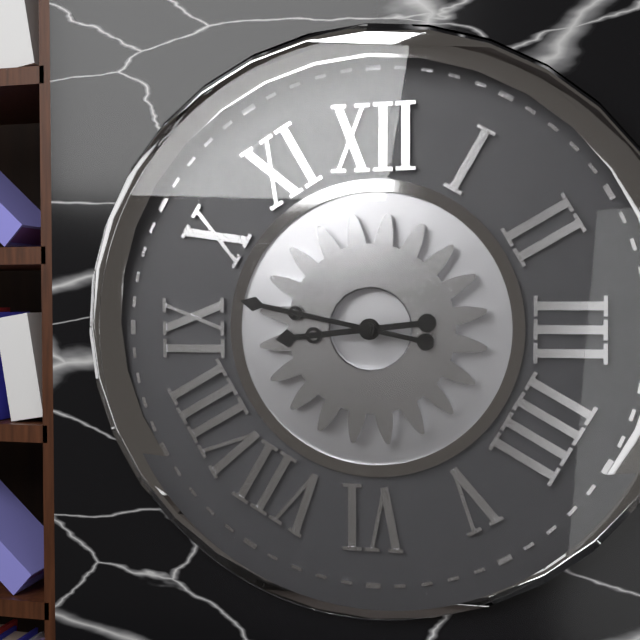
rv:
8 h 47 min
